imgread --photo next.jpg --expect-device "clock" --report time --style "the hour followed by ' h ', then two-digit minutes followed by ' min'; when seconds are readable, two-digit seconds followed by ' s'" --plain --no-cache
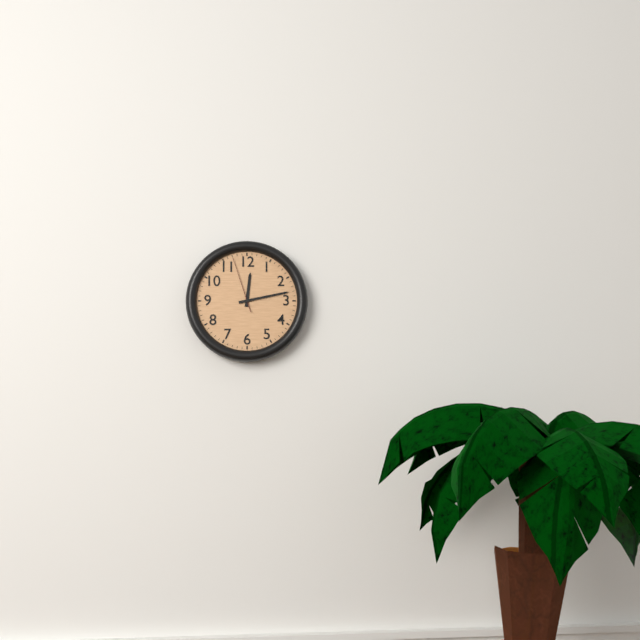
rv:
12 h 13 min 57 s
